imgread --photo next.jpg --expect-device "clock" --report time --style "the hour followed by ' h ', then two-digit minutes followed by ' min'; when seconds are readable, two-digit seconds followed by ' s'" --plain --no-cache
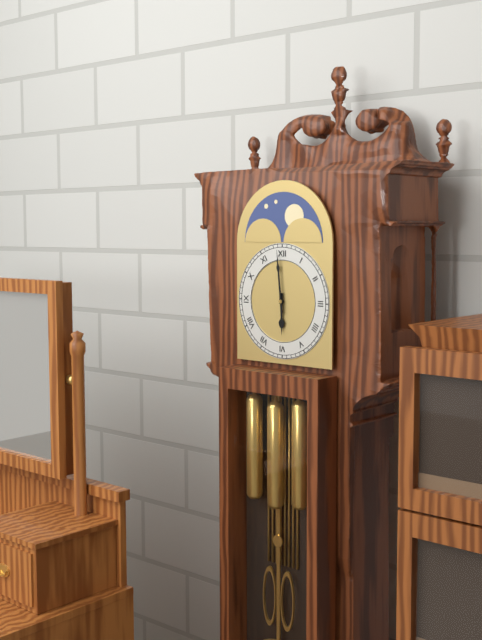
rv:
5 h 59 min
